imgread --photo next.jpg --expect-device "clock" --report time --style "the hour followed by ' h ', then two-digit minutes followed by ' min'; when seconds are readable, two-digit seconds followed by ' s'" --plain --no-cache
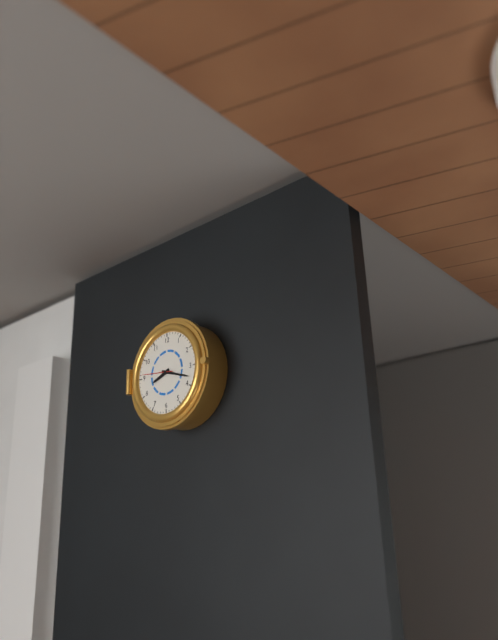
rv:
8 h 18 min
